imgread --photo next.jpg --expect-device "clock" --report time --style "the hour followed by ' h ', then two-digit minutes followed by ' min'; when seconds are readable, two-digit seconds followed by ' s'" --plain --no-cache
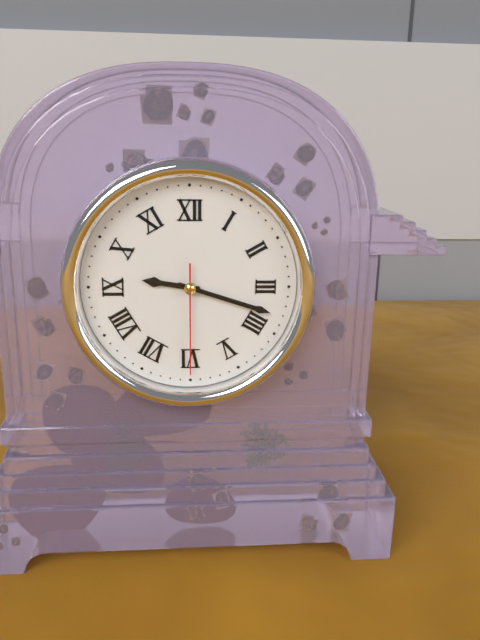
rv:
9 h 18 min 30 s
